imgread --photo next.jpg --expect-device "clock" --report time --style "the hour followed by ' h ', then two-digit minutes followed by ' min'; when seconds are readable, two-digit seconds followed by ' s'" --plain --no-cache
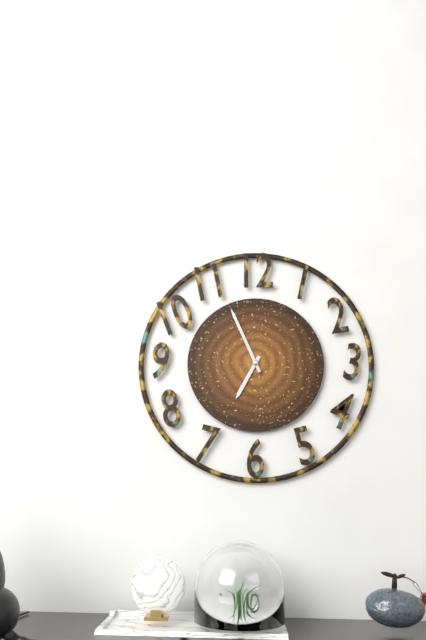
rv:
6 h 56 min
